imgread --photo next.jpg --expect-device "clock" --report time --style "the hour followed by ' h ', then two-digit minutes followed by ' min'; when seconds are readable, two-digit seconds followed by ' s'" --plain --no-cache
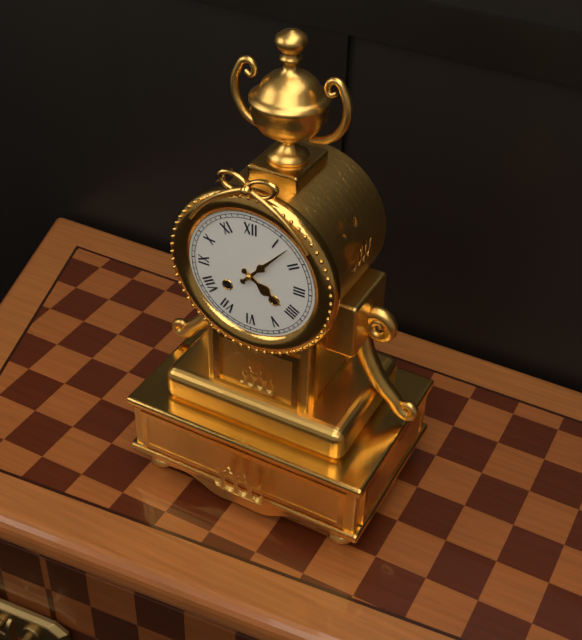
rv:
4 h 07 min
